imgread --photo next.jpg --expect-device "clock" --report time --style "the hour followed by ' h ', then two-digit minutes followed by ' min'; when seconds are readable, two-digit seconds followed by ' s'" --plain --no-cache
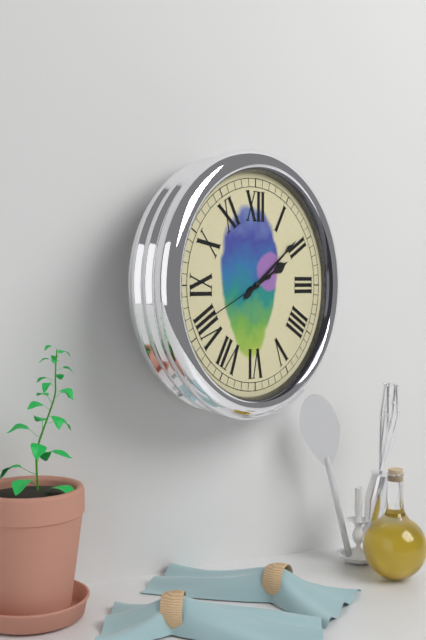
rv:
2 h 09 min 41 s
